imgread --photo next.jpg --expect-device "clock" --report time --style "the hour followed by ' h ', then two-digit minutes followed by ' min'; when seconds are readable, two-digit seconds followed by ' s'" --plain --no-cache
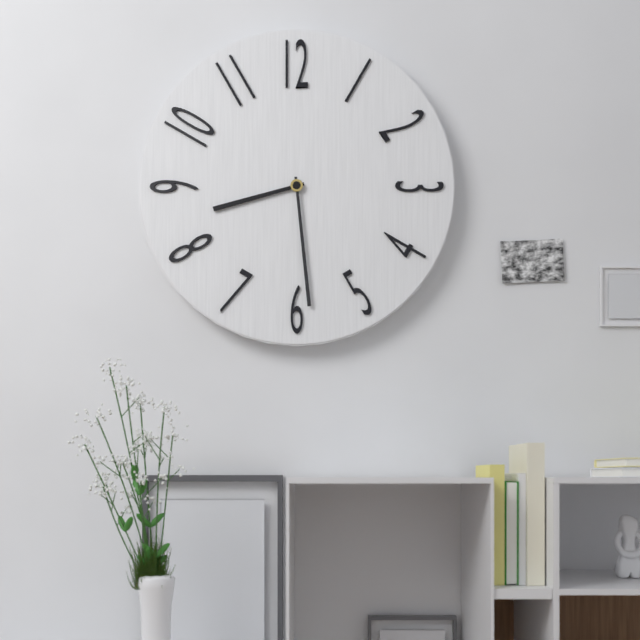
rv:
8 h 29 min
